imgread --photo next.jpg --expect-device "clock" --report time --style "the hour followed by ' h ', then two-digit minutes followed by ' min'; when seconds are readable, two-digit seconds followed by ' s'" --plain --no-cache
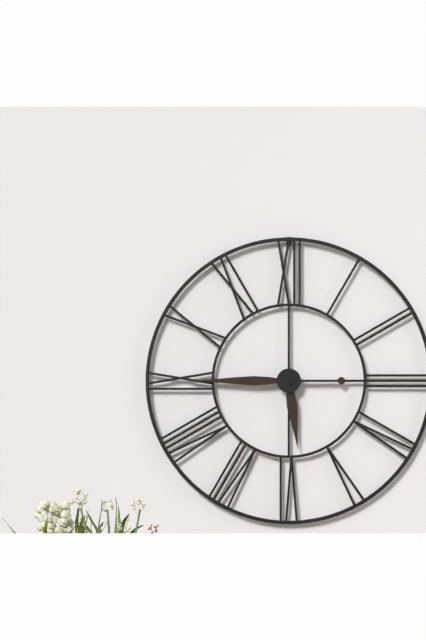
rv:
5 h 45 min
